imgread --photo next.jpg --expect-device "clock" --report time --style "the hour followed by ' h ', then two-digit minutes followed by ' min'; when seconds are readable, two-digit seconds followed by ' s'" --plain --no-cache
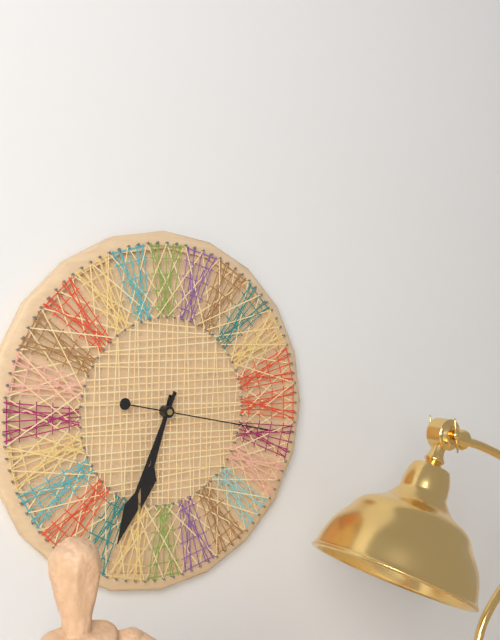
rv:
6 h 34 min 17 s
